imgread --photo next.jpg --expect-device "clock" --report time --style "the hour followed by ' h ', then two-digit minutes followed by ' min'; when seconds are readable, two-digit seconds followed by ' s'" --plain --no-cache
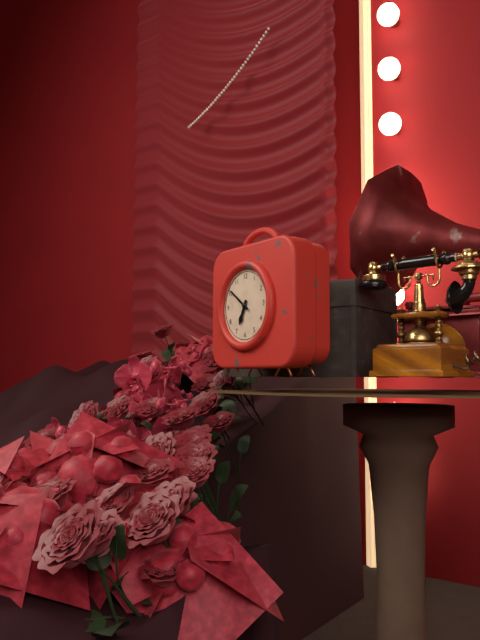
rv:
6 h 51 min
